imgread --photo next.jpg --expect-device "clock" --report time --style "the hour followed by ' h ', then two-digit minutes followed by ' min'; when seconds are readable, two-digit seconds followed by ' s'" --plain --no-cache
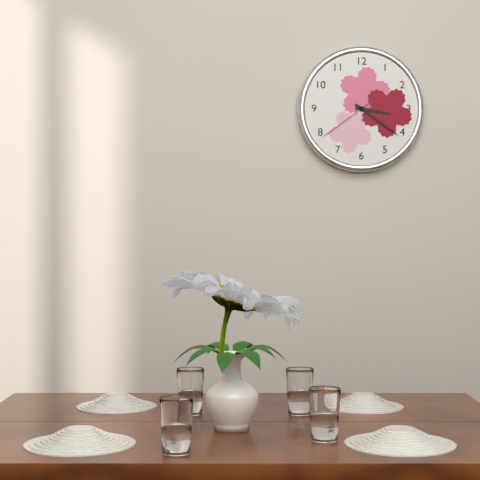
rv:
3 h 21 min 39 s
